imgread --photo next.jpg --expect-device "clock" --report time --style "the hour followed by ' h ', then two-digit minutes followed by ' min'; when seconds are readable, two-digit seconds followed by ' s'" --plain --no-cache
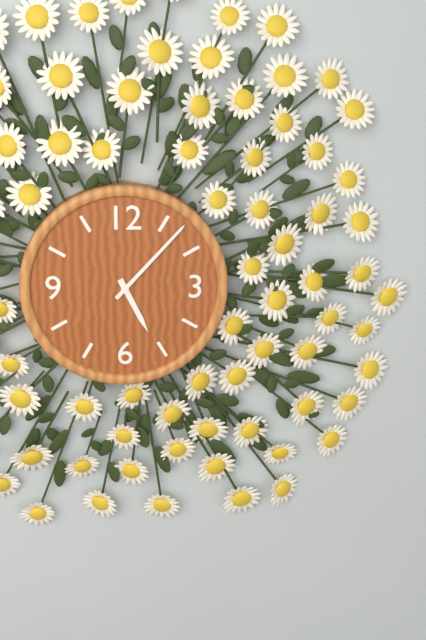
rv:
5 h 07 min
